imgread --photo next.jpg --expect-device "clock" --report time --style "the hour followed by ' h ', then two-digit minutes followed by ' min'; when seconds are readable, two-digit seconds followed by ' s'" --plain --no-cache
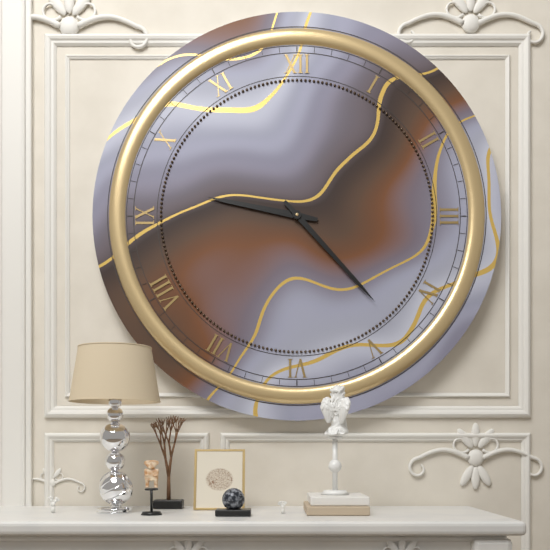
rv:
9 h 23 min
